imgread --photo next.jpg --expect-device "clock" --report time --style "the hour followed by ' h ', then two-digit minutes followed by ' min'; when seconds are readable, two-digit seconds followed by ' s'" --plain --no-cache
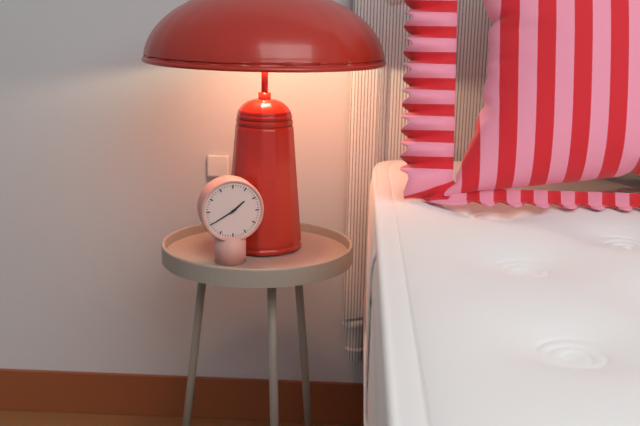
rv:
1 h 40 min
